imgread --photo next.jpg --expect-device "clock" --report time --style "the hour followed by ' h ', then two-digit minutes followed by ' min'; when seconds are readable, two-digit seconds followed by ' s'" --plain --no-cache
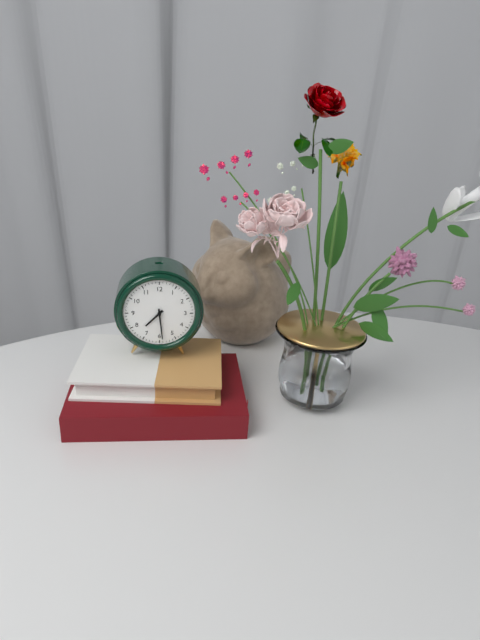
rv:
7 h 29 min
